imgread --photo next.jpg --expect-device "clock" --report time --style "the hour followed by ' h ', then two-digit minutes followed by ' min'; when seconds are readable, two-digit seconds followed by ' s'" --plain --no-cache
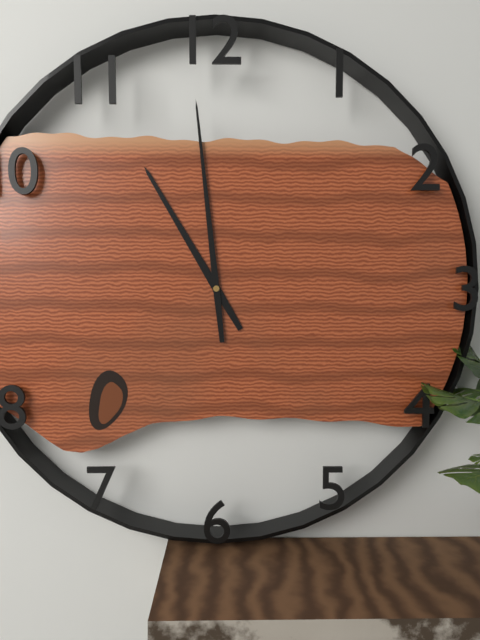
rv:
10 h 59 min
